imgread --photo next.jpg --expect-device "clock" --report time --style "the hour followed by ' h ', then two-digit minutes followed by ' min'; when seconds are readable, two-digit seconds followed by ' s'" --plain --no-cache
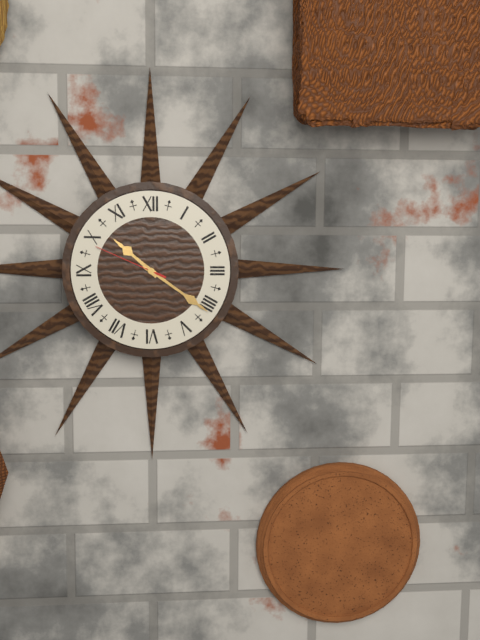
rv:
10 h 21 min 49 s
